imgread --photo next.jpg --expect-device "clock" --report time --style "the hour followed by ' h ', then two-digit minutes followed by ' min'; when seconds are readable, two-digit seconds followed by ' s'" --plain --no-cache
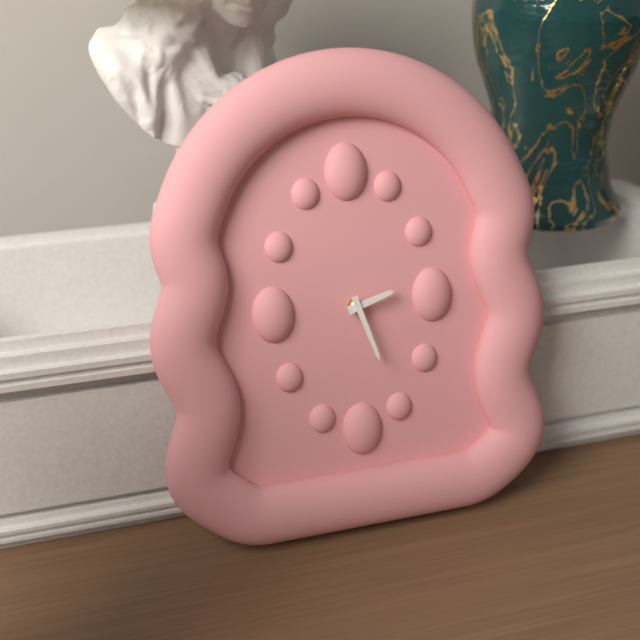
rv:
2 h 27 min
